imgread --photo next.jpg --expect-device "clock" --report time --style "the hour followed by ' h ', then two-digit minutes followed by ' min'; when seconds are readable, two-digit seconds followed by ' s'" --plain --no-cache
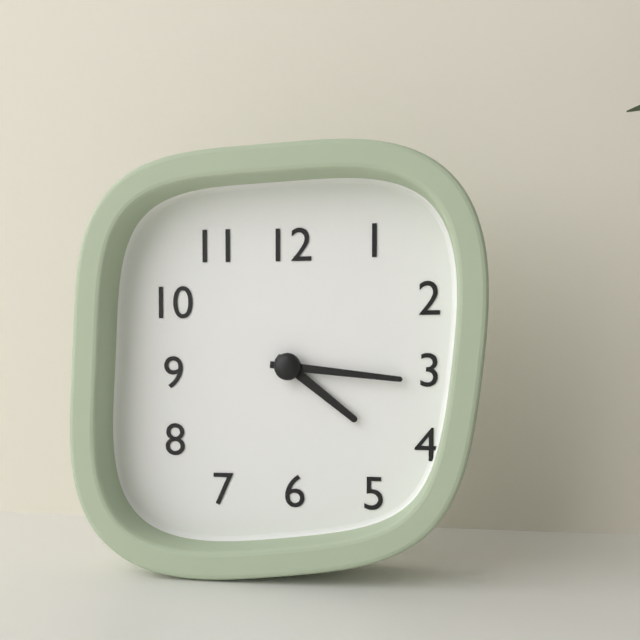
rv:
4 h 16 min
